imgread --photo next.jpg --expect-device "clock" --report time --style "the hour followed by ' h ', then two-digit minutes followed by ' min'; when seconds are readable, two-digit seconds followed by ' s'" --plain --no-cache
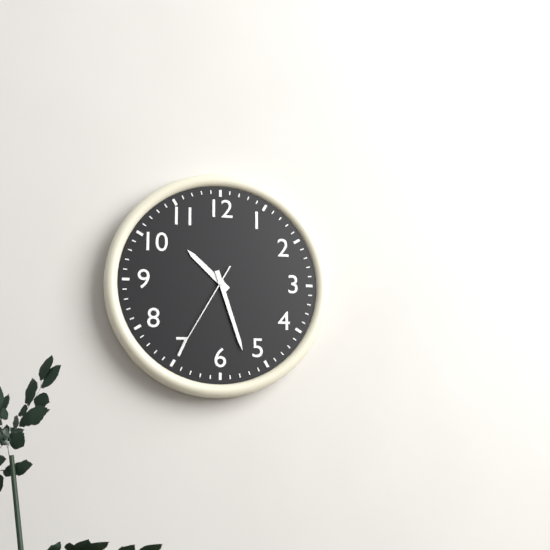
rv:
10 h 27 min 35 s
